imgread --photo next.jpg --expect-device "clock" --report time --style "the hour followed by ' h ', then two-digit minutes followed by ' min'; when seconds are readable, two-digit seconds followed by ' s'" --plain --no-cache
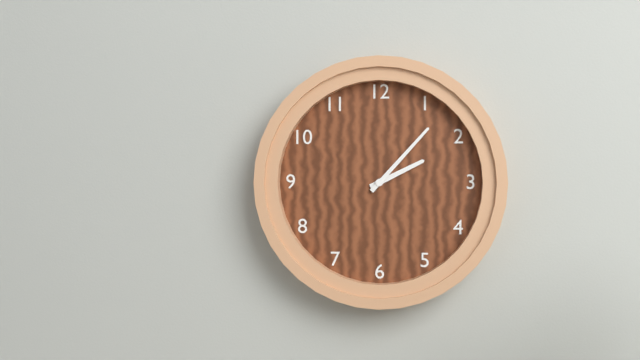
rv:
2 h 07 min
